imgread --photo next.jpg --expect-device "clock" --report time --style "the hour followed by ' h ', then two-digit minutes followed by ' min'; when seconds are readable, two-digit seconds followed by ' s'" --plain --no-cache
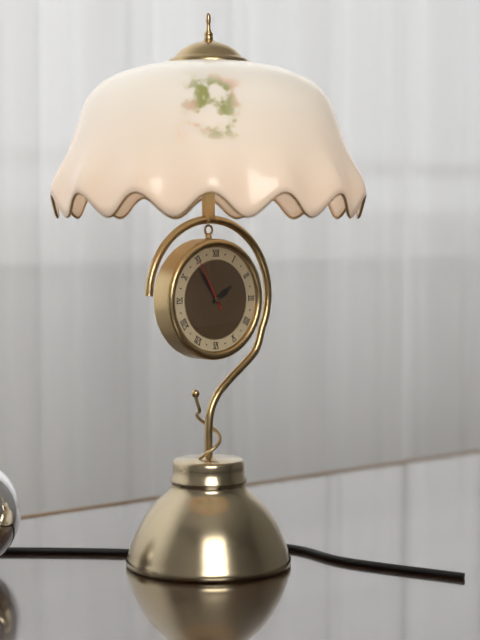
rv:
1 h 54 min
